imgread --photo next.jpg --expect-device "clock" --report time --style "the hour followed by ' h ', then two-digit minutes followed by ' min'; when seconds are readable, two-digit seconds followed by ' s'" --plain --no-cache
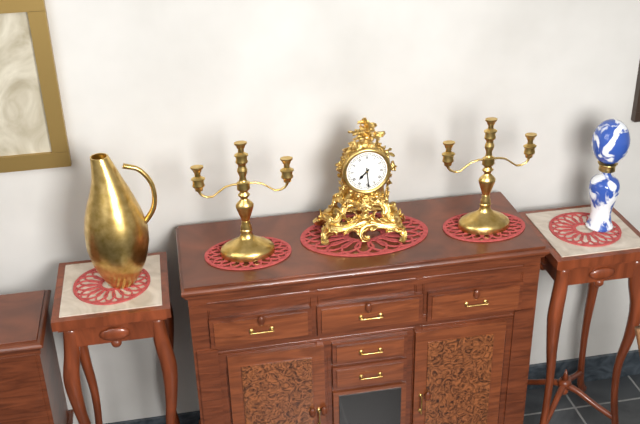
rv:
7 h 29 min
